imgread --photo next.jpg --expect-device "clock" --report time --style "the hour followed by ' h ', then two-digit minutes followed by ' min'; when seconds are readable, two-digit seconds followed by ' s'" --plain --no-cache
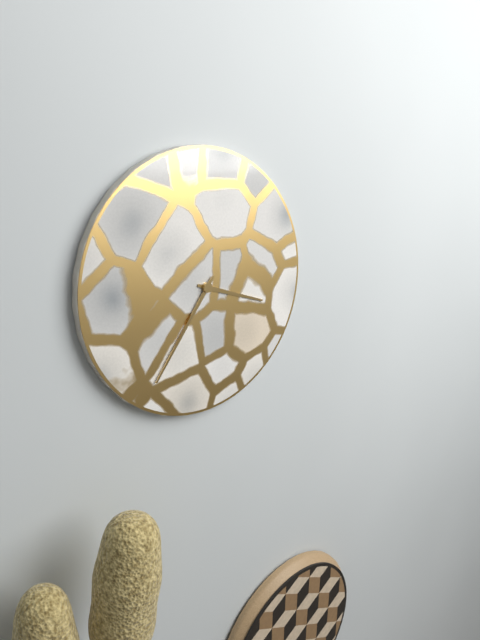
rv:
3 h 36 min
